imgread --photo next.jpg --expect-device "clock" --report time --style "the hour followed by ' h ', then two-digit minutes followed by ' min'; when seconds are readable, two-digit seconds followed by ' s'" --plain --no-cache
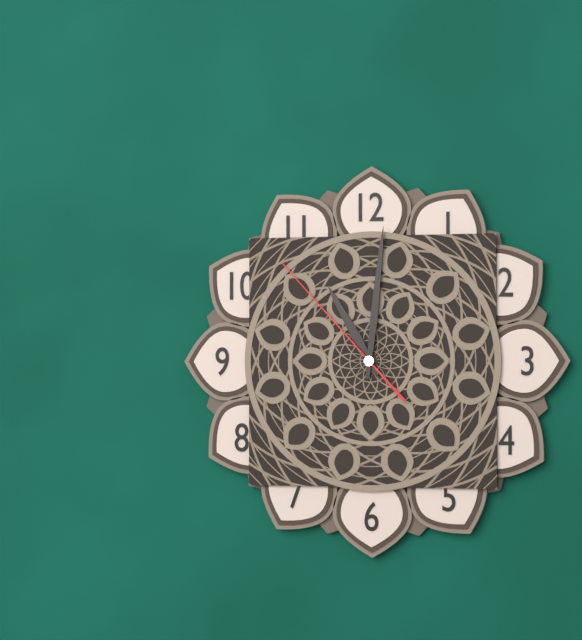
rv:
11 h 01 min 53 s
